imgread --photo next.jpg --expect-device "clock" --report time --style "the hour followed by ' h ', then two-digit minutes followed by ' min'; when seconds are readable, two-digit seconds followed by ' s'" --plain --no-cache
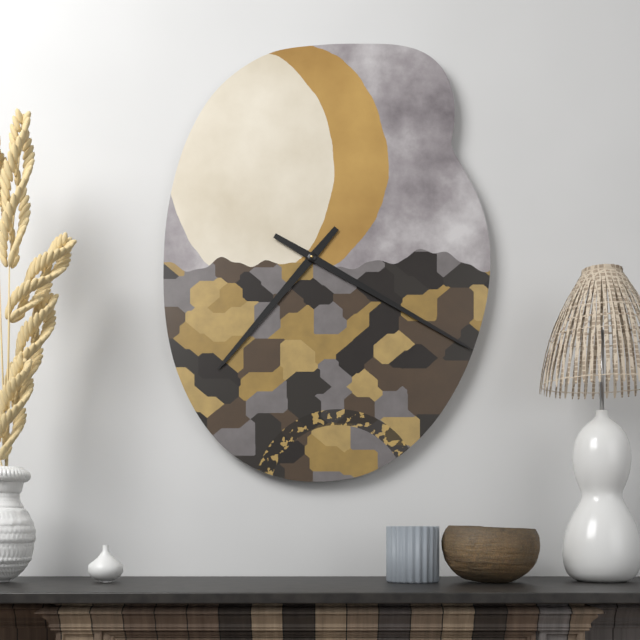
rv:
7 h 20 min
